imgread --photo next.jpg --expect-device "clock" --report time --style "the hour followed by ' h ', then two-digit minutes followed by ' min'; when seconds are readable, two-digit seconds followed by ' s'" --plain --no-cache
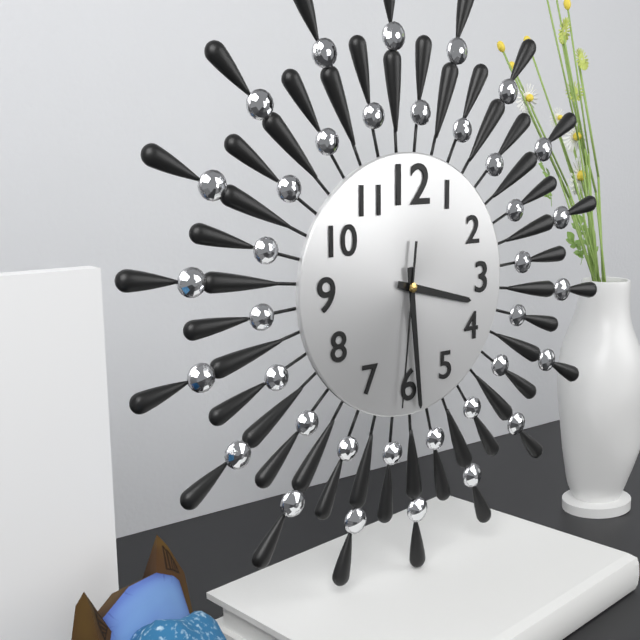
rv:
3 h 29 min 31 s
